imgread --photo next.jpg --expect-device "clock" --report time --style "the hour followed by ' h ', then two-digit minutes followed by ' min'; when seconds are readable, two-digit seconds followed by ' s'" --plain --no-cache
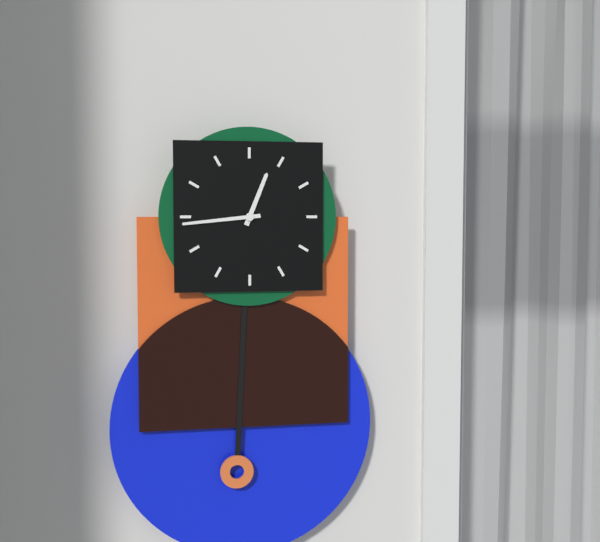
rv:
12 h 44 min
